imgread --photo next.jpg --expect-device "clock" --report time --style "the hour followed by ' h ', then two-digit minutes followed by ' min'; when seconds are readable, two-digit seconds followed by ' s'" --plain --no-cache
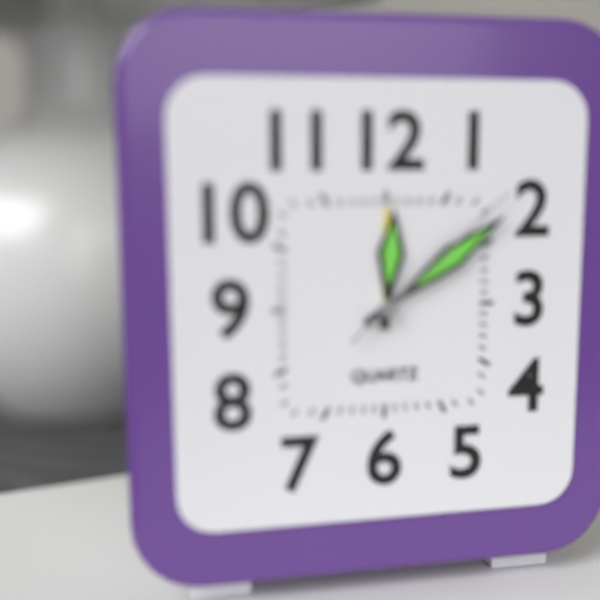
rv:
12 h 09 min 08 s
